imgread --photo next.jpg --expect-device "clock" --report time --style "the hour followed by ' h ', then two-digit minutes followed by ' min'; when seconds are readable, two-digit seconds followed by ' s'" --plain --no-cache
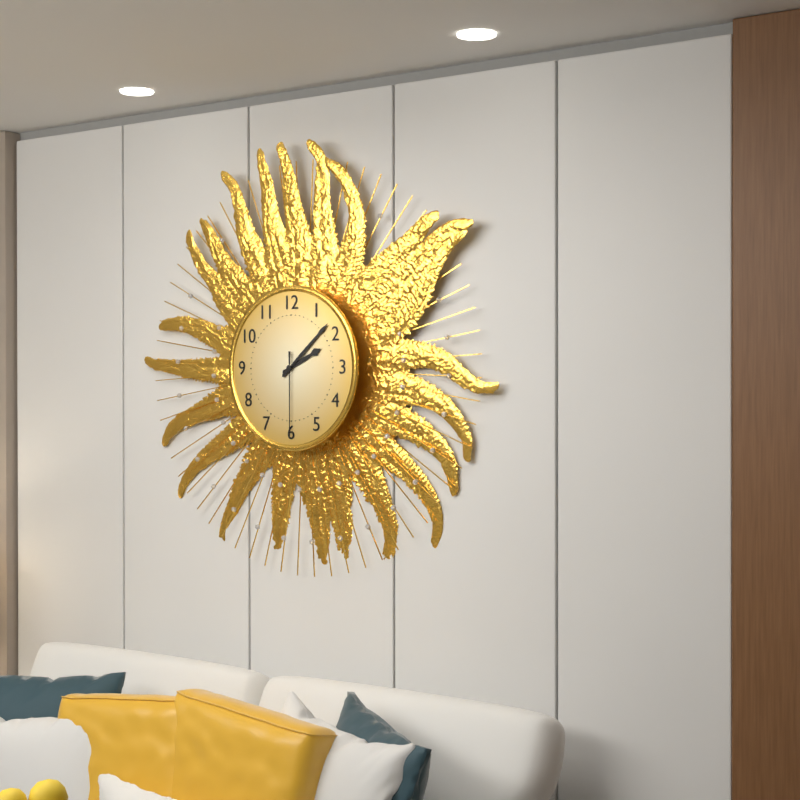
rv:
2 h 08 min 30 s
